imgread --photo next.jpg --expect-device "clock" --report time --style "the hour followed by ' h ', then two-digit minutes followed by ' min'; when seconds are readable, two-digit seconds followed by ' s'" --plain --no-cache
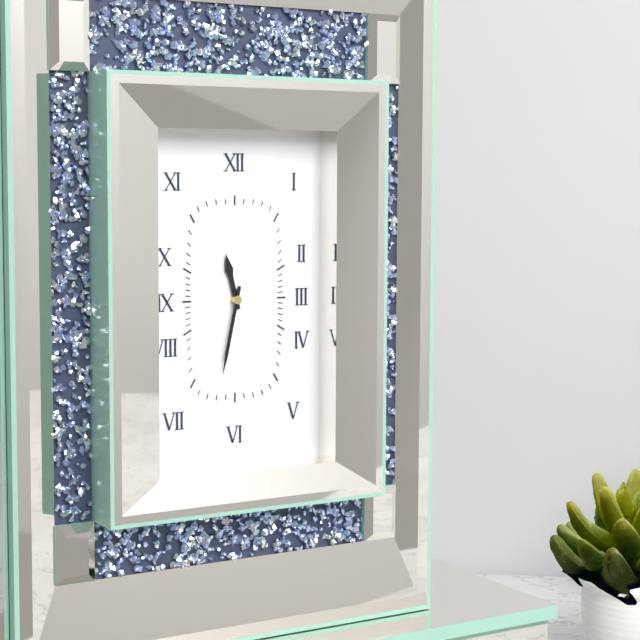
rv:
11 h 32 min
